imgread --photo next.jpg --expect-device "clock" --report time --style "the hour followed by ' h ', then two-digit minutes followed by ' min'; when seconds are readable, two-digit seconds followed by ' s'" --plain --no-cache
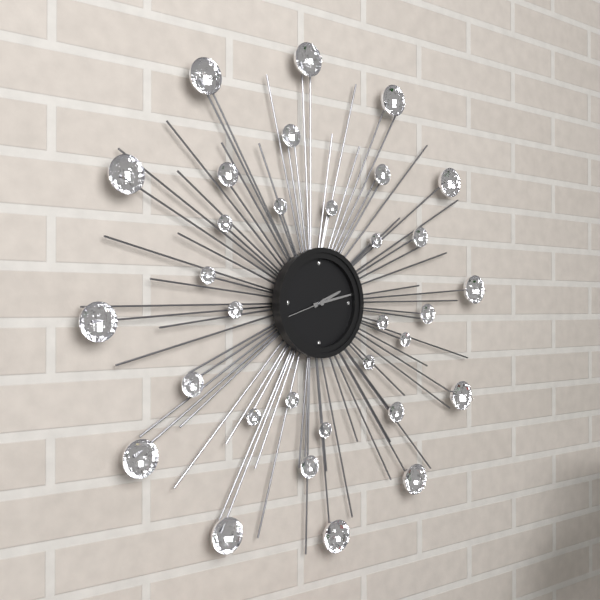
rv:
2 h 13 min
